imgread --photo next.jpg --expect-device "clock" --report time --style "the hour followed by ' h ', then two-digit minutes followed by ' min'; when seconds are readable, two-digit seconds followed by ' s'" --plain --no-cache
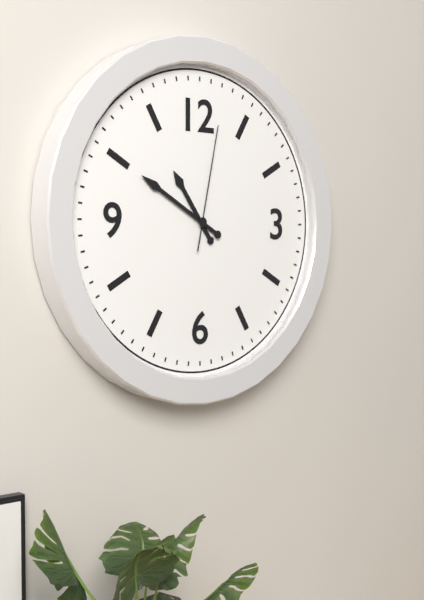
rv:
10 h 50 min 02 s
